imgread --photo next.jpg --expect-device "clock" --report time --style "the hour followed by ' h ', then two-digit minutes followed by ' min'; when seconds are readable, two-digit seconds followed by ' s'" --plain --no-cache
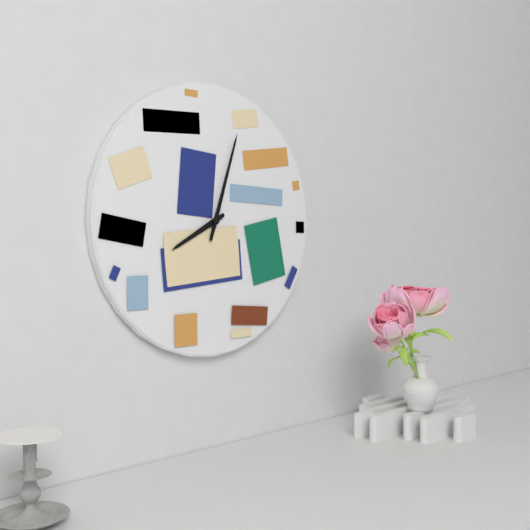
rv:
8 h 03 min
